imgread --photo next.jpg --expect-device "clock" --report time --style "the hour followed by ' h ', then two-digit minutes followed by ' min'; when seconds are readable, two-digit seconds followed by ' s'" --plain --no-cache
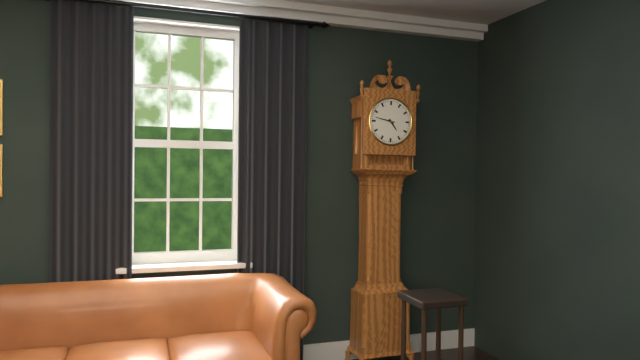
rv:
4 h 47 min
